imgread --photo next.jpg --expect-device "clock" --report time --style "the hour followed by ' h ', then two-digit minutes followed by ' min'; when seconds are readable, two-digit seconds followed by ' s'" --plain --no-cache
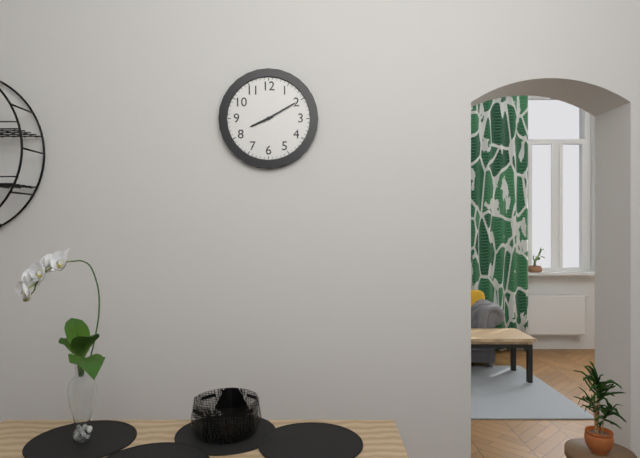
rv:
8 h 10 min
